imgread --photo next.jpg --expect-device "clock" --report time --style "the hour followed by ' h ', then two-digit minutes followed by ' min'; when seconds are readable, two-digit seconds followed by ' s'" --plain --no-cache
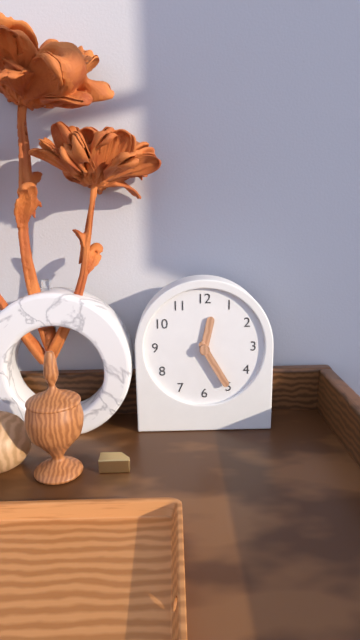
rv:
12 h 25 min
